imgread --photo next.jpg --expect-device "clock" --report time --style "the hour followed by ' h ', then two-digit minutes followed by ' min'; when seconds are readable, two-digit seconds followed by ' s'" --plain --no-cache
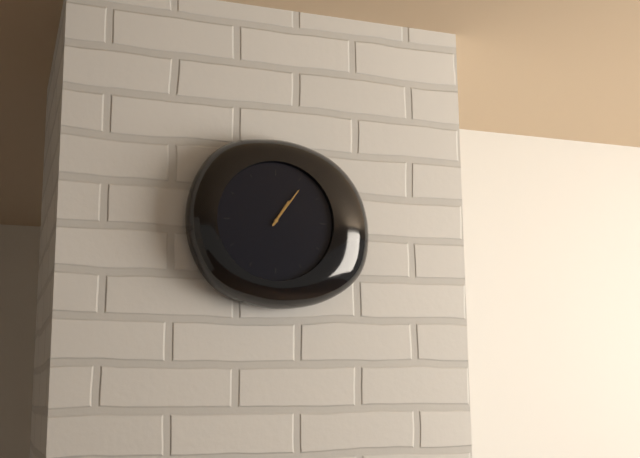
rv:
1 h 06 min
